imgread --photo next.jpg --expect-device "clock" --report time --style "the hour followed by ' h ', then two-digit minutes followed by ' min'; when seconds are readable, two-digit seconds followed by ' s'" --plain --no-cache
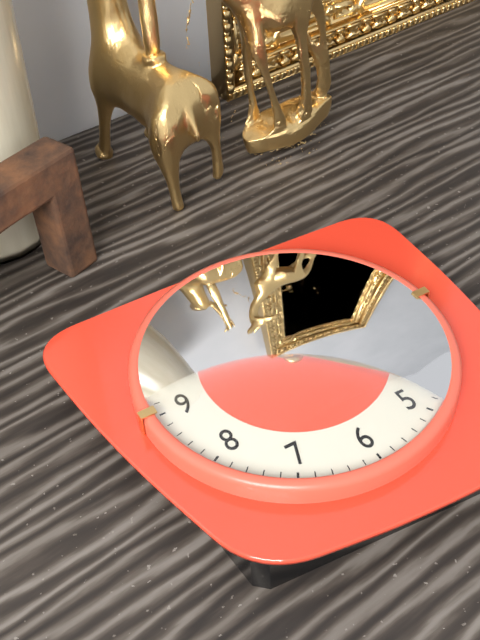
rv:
3 h 23 min 22 s
